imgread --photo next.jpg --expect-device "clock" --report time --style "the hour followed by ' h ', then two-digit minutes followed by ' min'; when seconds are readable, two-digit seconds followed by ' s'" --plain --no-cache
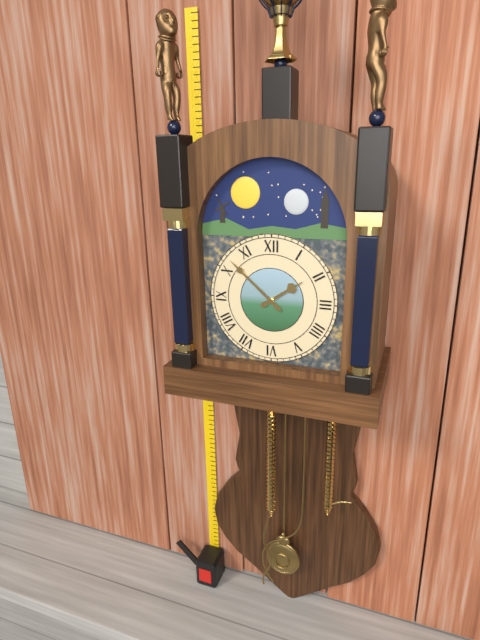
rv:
1 h 52 min
